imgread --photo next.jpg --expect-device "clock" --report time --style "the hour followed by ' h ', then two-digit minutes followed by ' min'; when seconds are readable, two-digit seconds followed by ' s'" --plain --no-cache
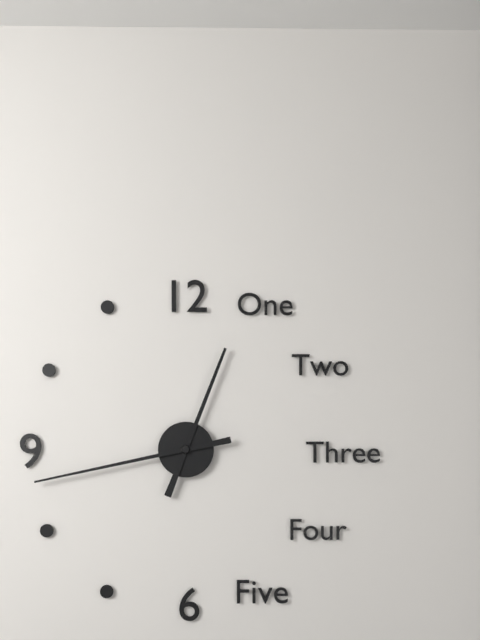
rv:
12 h 43 min
